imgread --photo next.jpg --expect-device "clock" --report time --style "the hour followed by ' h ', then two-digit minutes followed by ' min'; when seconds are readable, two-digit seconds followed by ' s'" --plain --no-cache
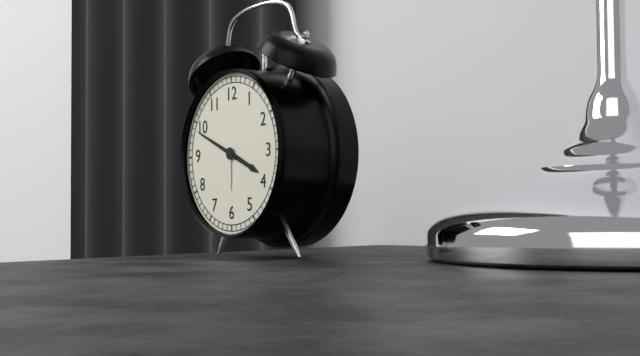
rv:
3 h 49 min
